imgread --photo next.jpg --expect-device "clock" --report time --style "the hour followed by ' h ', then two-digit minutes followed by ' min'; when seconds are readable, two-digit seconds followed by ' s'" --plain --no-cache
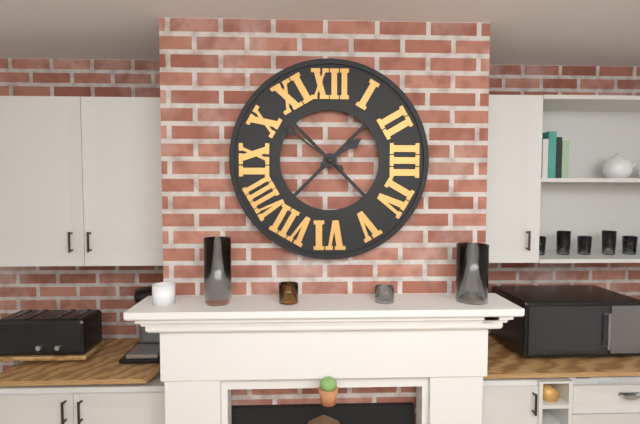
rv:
1 h 51 min
